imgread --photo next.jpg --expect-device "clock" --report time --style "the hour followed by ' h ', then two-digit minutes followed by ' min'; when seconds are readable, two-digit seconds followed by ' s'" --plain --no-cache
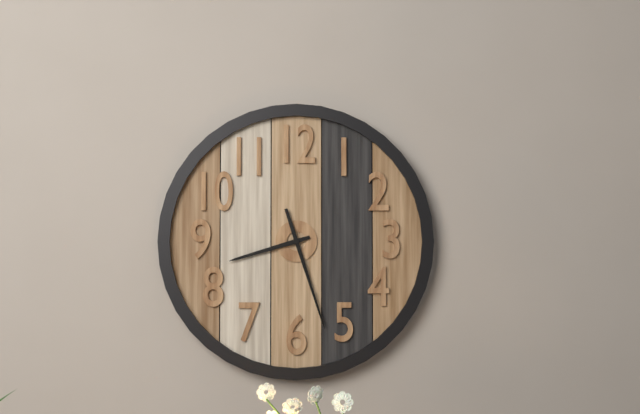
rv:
8 h 27 min
